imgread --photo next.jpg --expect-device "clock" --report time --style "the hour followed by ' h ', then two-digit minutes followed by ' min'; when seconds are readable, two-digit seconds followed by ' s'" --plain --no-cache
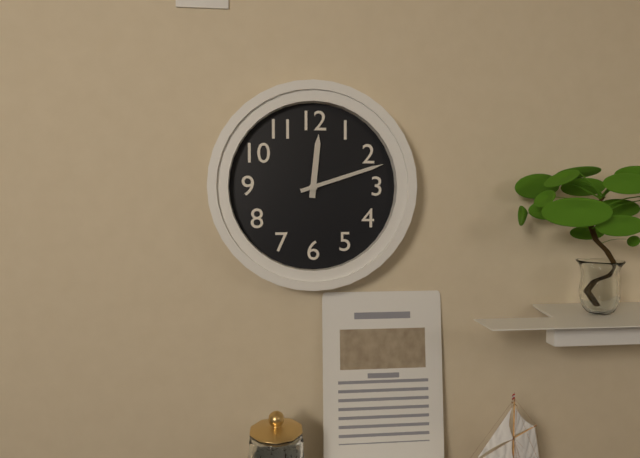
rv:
12 h 12 min
